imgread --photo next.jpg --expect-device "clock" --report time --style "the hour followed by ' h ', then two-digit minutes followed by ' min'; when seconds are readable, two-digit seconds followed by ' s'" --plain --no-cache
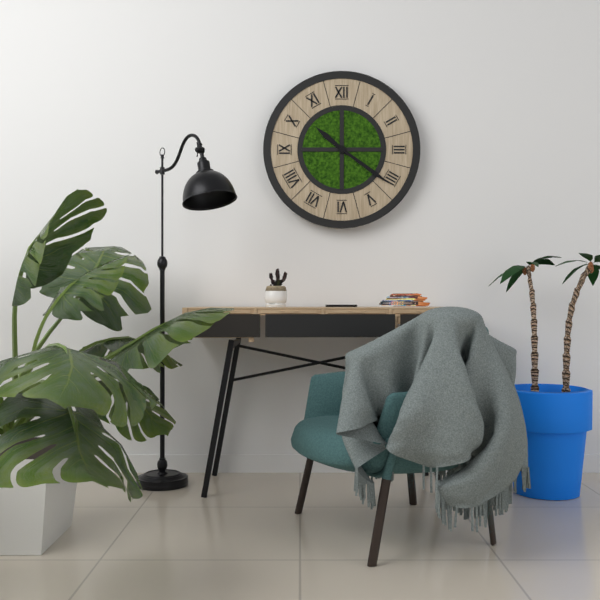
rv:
10 h 21 min
